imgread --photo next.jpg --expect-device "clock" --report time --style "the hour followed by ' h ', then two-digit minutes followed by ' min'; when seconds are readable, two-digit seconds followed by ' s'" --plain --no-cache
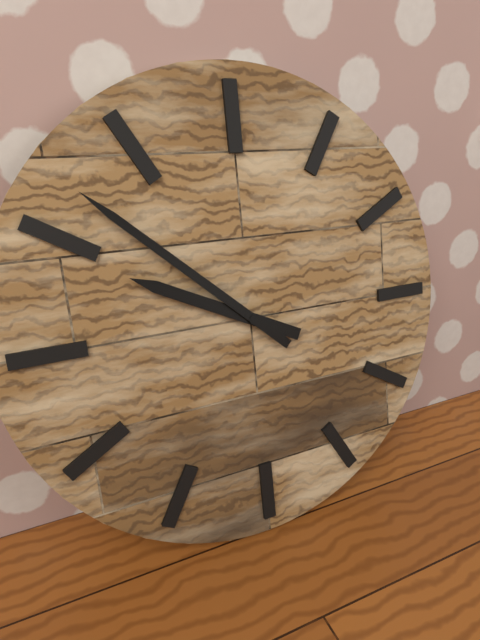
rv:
9 h 52 min
